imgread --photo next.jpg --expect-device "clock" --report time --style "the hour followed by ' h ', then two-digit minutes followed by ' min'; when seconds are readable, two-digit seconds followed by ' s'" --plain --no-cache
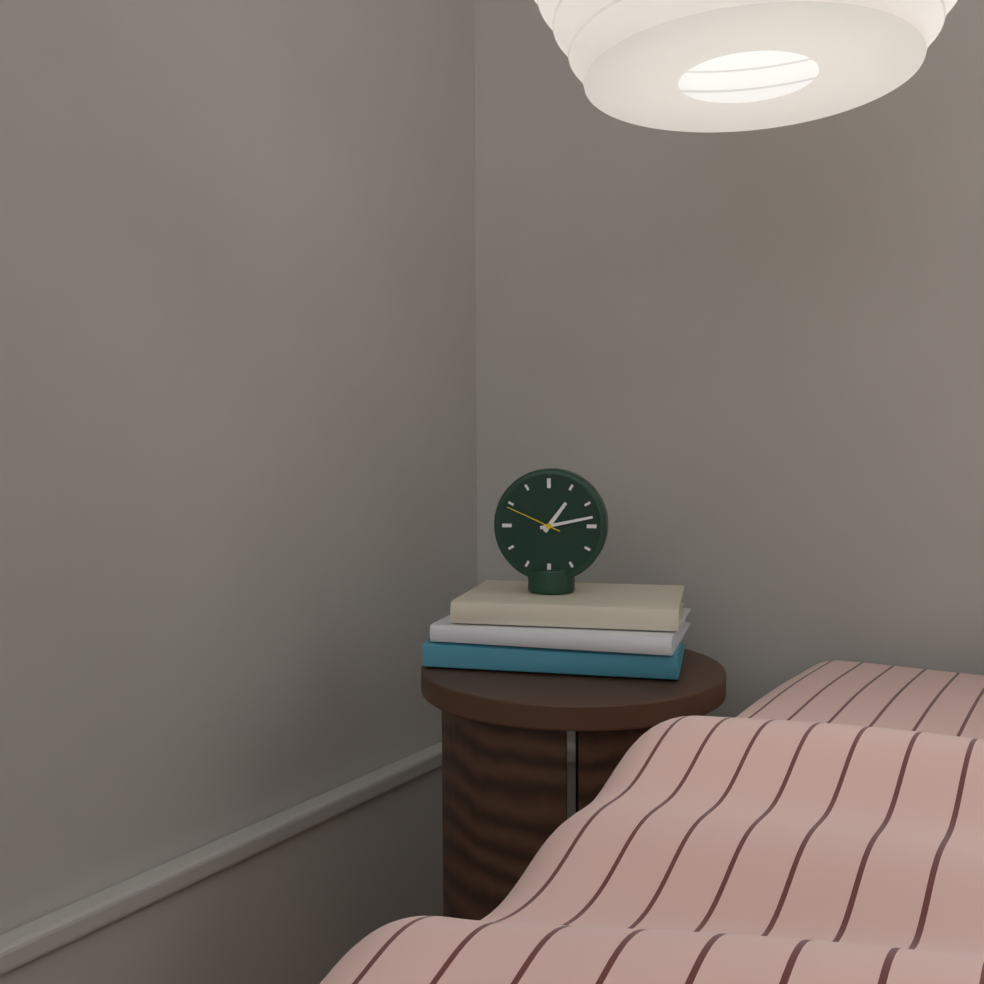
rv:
1 h 13 min 49 s
